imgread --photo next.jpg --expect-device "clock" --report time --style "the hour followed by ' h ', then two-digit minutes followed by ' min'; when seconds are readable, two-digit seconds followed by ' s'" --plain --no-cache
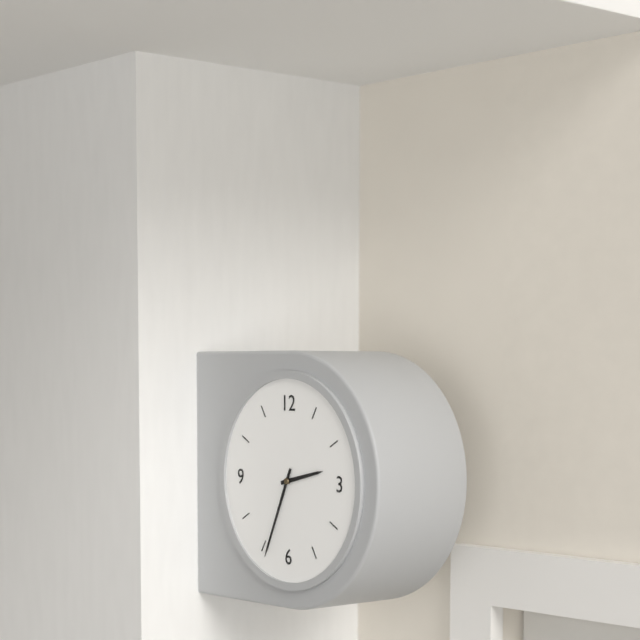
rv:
2 h 34 min
